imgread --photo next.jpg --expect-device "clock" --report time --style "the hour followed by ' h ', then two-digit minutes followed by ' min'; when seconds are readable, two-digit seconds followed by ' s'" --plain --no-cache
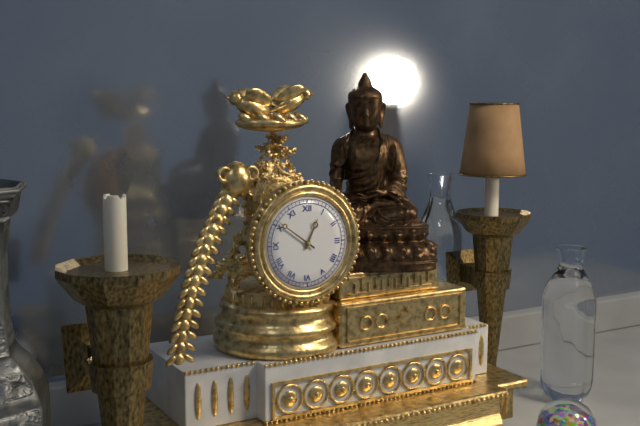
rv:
12 h 51 min
